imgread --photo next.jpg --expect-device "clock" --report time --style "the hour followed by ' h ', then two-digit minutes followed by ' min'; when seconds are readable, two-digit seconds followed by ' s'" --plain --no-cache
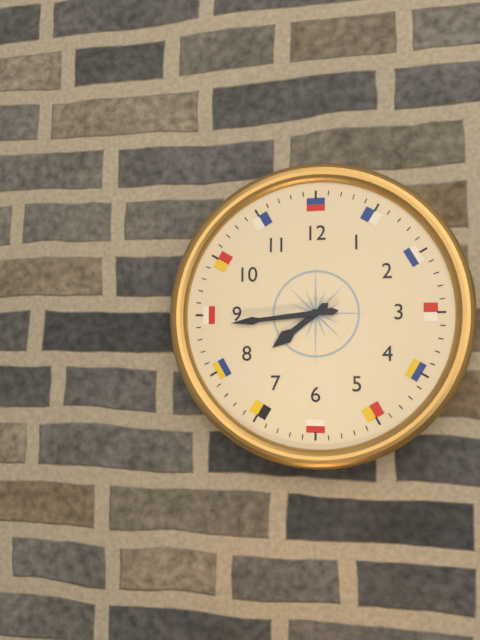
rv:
7 h 44 min
